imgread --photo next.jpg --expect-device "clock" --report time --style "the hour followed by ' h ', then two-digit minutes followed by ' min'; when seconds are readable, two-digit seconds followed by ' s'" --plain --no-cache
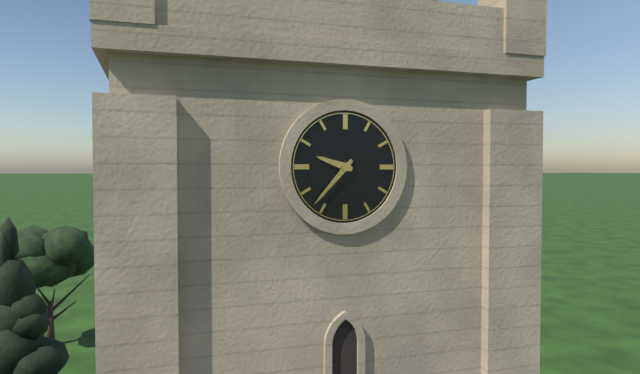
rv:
9 h 37 min
